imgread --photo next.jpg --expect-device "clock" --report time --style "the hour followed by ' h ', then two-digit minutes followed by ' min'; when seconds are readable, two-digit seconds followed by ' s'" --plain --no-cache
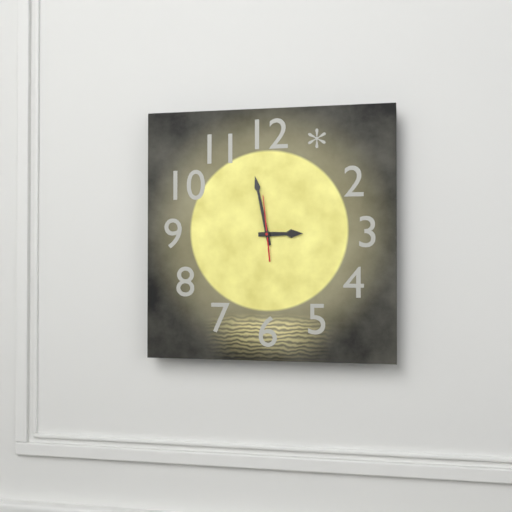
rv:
2 h 58 min
